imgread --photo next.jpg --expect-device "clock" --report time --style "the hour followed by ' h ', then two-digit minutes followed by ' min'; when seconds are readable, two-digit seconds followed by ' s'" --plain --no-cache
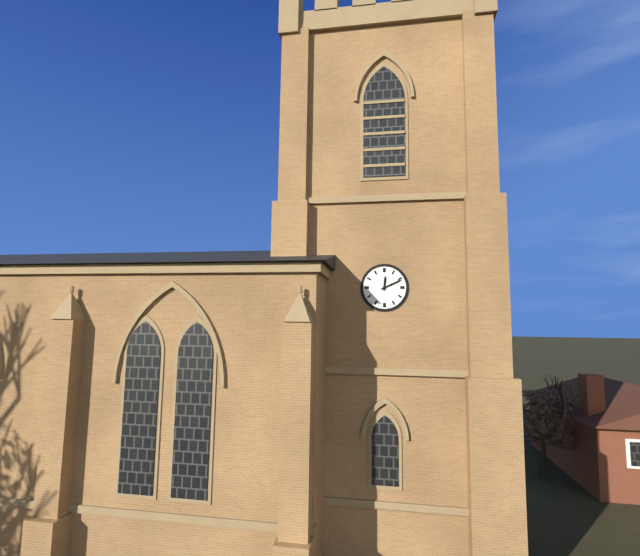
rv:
12 h 11 min
